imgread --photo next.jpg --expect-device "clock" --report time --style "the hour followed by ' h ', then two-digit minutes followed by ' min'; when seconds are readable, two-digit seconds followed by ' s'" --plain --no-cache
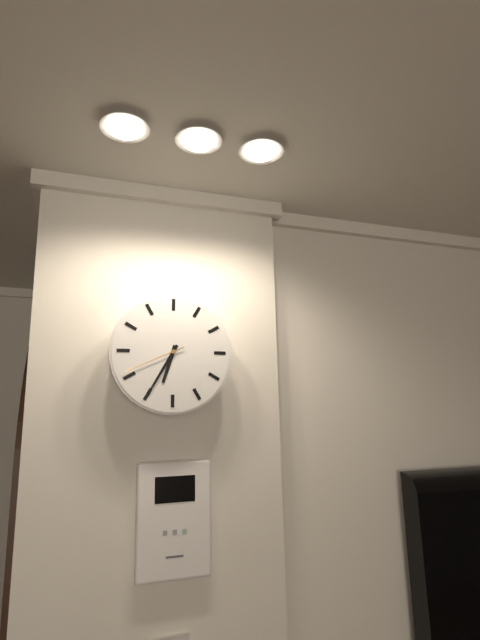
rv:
6 h 35 min 41 s
